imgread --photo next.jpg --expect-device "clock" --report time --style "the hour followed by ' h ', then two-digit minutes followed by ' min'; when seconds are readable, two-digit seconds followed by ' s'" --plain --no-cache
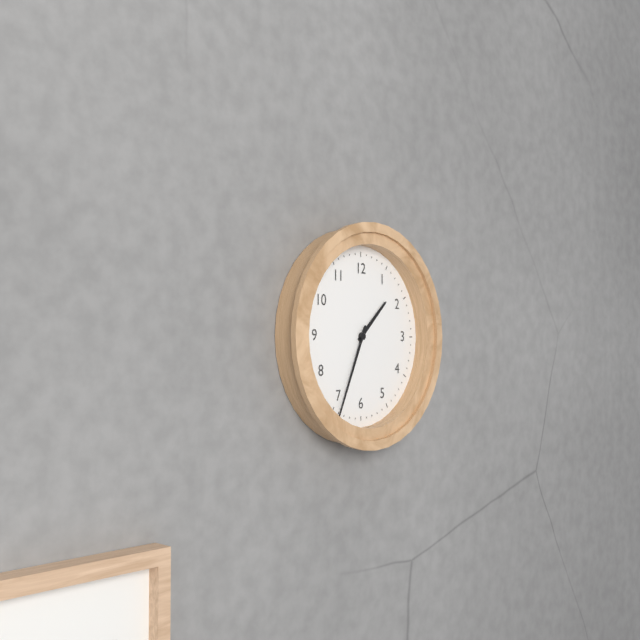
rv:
1 h 34 min
